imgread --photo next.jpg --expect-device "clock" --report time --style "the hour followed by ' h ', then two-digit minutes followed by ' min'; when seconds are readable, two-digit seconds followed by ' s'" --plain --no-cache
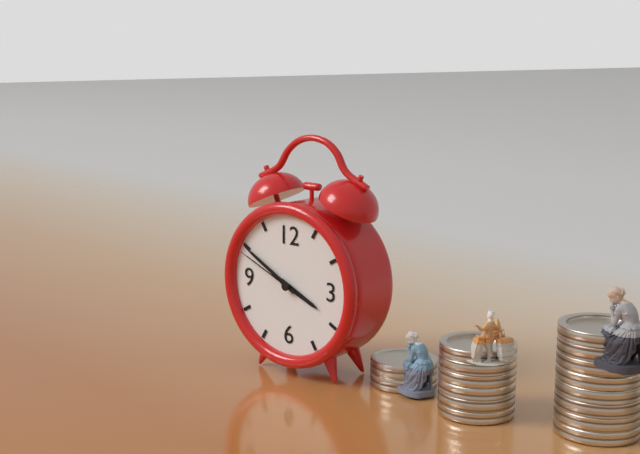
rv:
3 h 50 min 49 s
